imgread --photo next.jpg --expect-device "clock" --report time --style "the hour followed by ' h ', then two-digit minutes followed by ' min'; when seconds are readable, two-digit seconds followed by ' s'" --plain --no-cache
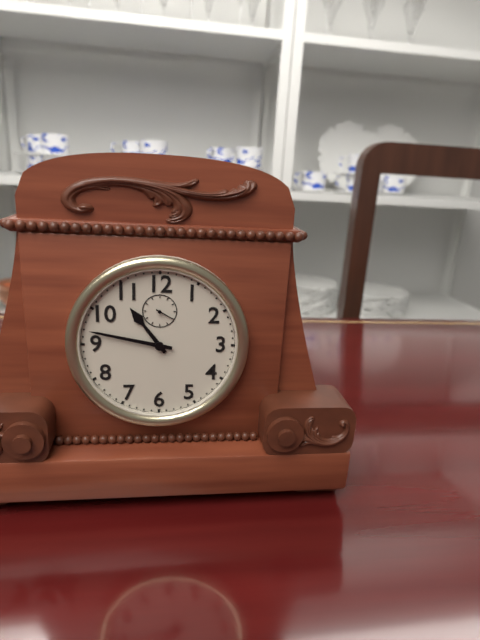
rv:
10 h 47 min
